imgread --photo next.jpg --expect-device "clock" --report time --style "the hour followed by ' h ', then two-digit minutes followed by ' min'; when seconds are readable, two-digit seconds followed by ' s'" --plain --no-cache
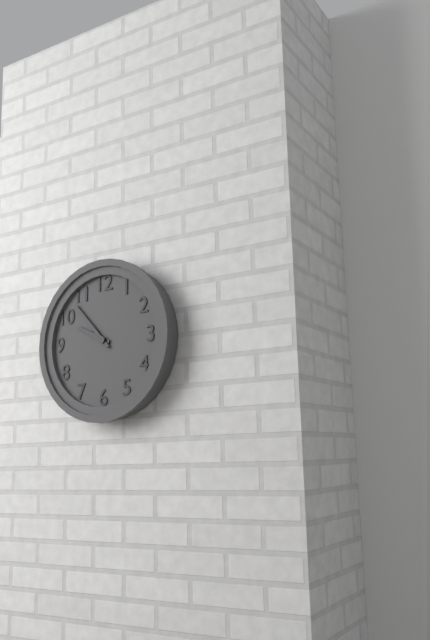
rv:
9 h 53 min
